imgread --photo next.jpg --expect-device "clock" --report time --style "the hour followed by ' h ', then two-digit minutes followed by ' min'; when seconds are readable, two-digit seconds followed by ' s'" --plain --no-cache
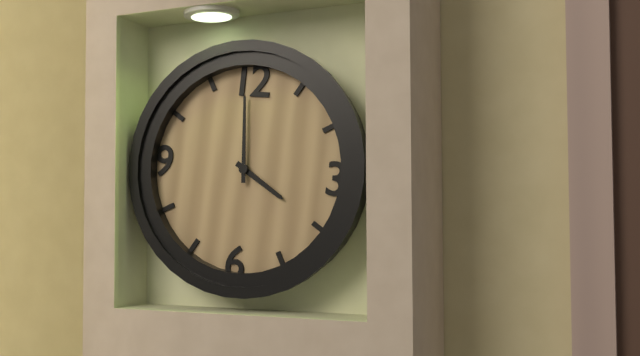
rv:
3 h 59 min
